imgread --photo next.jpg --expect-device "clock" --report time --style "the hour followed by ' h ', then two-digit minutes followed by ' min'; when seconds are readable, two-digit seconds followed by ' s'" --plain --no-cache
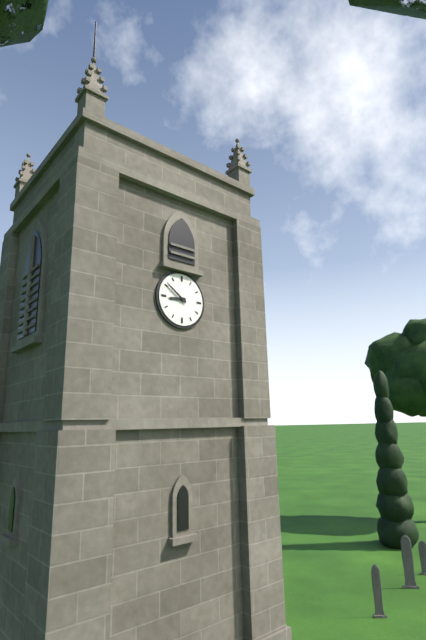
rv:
8 h 51 min
